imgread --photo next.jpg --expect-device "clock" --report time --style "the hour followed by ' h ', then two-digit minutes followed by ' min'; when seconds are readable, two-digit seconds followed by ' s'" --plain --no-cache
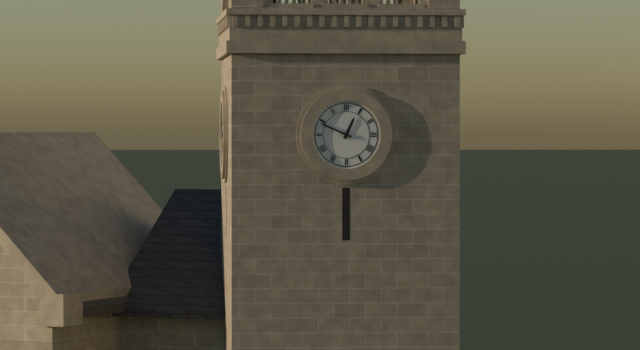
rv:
12 h 49 min
